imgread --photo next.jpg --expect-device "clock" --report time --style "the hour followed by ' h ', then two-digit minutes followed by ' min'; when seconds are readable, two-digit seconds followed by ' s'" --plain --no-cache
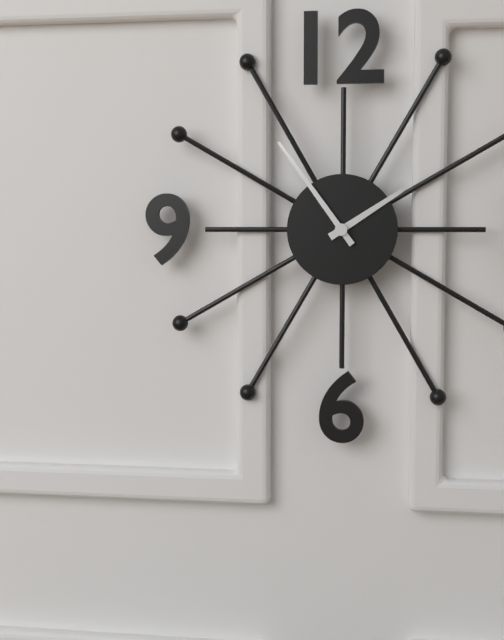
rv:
1 h 54 min
